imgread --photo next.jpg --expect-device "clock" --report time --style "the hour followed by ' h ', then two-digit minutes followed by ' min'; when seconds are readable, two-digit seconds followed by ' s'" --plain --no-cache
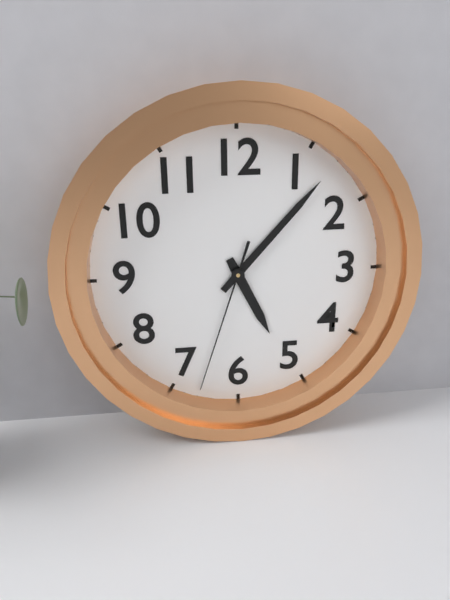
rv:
5 h 07 min 33 s
